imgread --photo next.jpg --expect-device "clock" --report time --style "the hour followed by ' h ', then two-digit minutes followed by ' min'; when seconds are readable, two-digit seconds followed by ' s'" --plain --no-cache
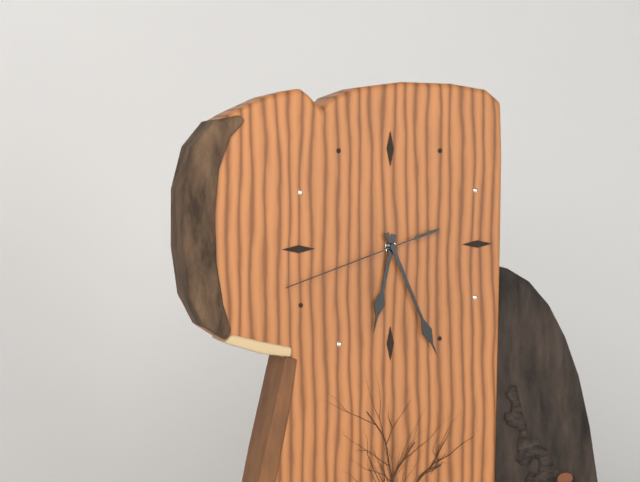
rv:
6 h 26 min 42 s
